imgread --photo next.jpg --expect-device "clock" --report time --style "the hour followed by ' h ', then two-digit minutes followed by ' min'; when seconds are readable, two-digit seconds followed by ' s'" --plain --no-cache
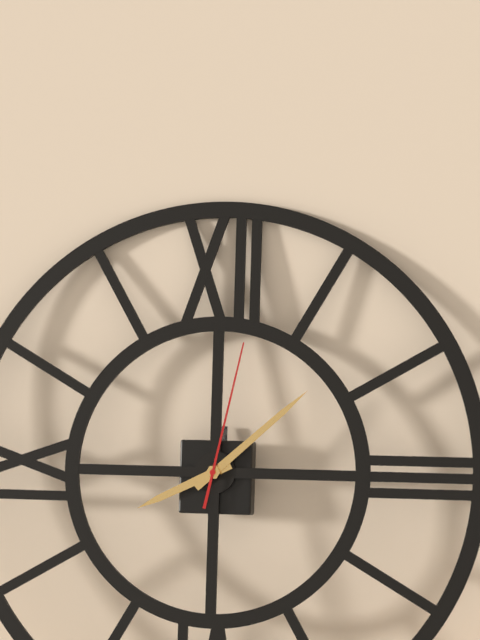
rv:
8 h 08 min 02 s
